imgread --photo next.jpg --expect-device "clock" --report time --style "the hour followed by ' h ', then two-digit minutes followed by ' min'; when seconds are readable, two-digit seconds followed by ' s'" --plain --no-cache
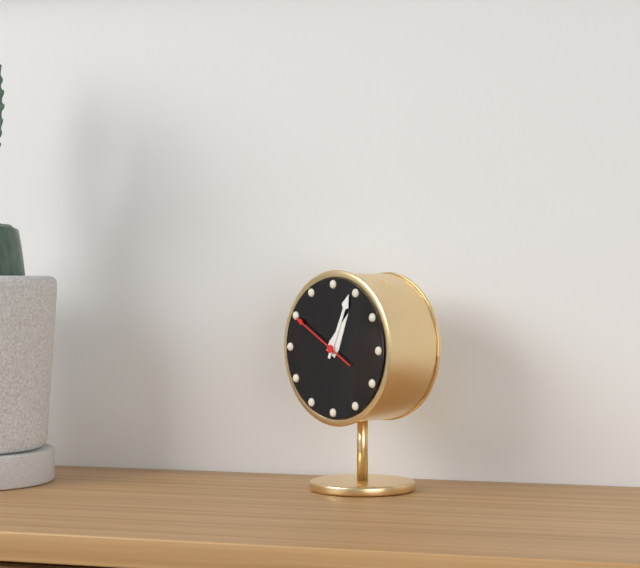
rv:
1 h 04 min 50 s
